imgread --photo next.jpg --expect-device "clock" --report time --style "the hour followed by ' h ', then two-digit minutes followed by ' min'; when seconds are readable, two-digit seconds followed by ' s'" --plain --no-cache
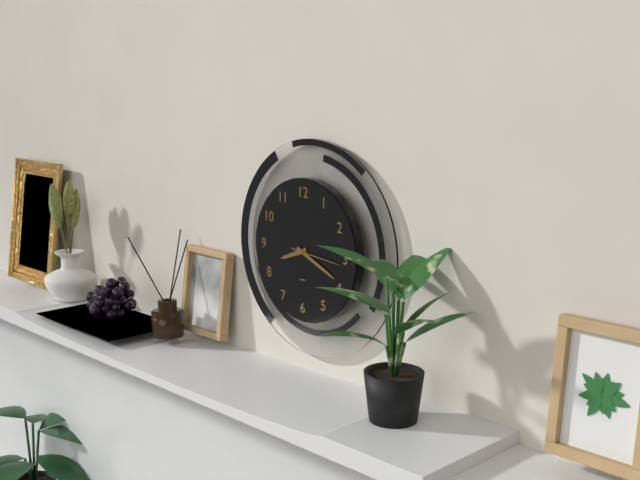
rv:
8 h 19 min 16 s
